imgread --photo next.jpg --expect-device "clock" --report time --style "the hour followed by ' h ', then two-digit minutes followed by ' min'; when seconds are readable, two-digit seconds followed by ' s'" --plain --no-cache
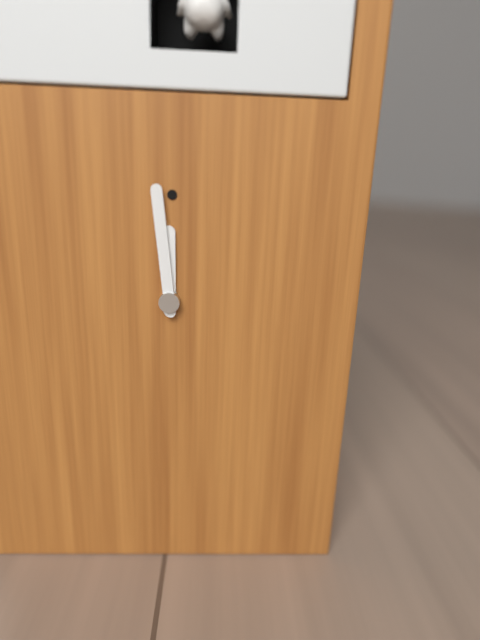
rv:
11 h 59 min
